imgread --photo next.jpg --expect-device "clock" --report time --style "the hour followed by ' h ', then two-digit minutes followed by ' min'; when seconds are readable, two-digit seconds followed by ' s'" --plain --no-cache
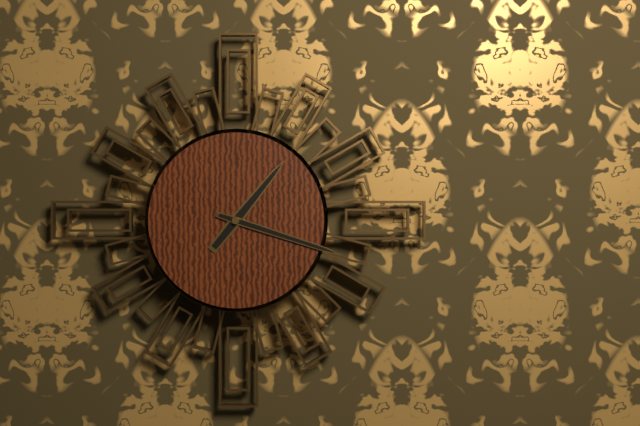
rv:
1 h 18 min
